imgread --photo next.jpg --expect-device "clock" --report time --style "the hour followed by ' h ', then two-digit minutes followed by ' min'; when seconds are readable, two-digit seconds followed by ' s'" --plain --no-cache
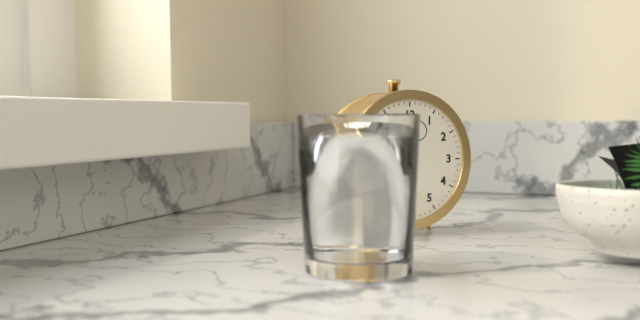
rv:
11 h 53 min
